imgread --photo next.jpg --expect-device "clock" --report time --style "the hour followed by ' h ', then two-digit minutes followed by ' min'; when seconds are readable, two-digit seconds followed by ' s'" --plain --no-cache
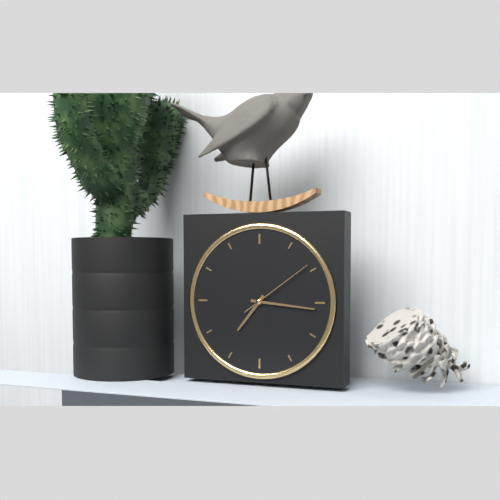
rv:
7 h 16 min 09 s
